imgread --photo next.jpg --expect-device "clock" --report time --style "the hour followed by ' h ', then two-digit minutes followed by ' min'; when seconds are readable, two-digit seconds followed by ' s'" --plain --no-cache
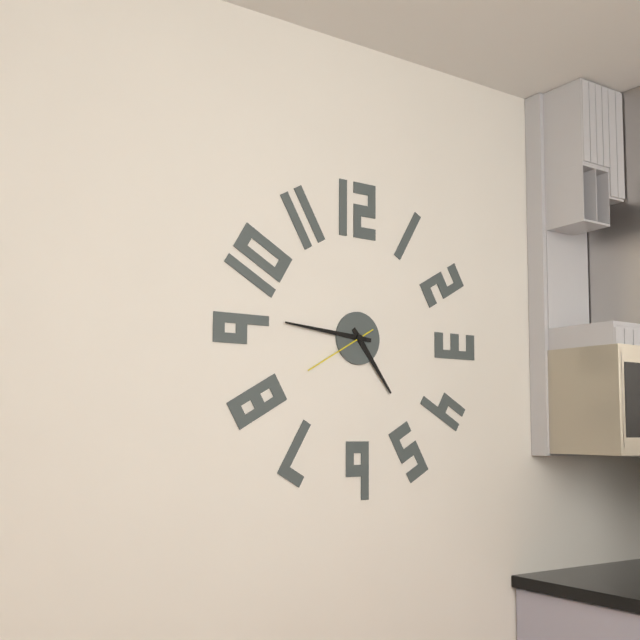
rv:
4 h 46 min 40 s
